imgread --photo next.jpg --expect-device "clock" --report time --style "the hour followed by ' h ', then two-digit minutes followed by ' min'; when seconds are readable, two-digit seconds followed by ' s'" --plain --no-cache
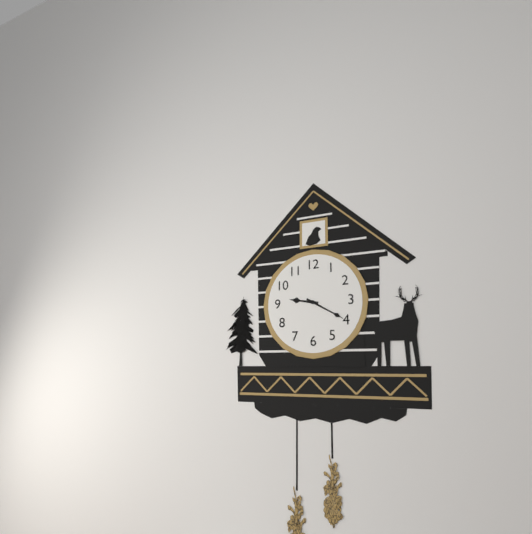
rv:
9 h 20 min
